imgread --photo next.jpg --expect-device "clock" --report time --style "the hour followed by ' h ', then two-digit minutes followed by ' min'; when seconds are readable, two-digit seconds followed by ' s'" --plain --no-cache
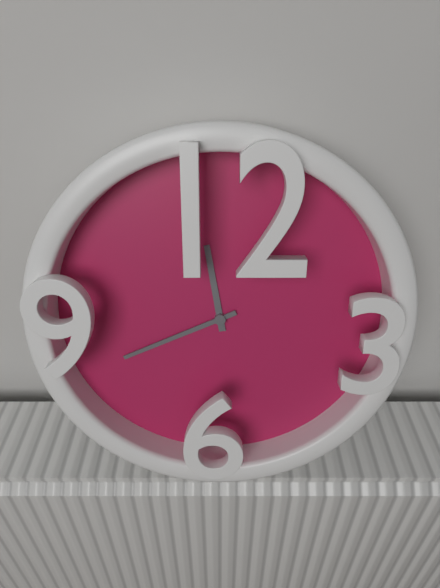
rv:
11 h 41 min
